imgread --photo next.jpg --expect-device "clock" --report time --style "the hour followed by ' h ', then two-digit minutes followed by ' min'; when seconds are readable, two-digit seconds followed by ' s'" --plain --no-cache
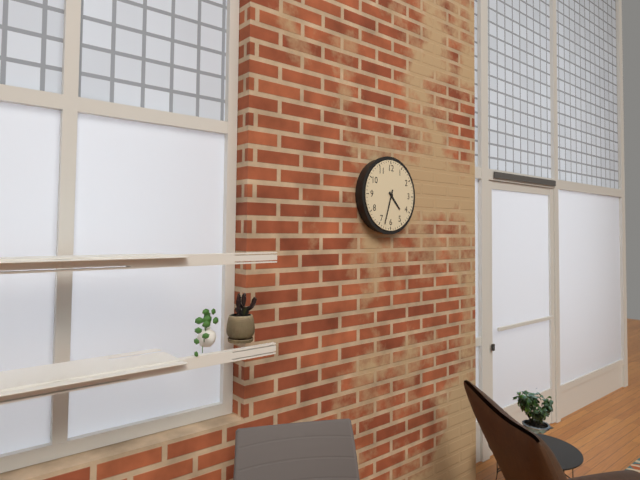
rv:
4 h 33 min
